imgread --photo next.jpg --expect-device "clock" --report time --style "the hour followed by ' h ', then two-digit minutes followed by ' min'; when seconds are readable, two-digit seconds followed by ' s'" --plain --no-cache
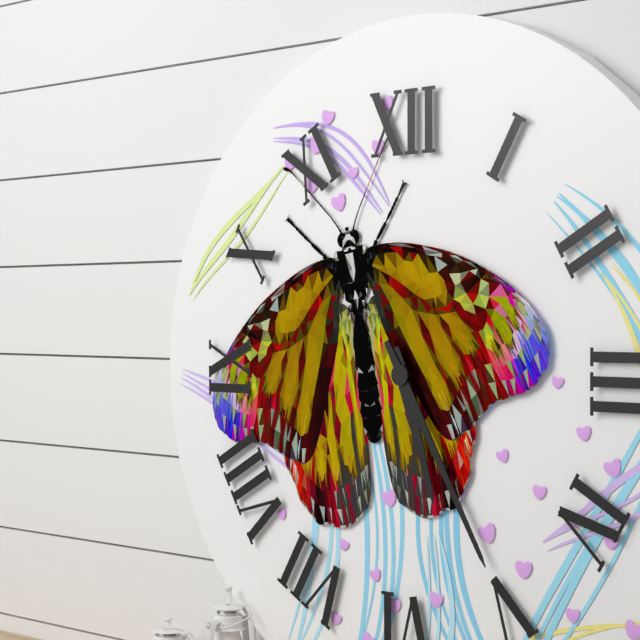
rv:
5 h 25 min
